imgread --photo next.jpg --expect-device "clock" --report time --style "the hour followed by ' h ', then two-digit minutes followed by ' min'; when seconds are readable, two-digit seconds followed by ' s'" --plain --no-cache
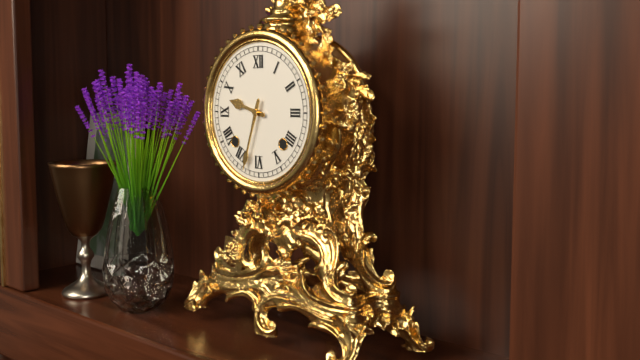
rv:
9 h 33 min
